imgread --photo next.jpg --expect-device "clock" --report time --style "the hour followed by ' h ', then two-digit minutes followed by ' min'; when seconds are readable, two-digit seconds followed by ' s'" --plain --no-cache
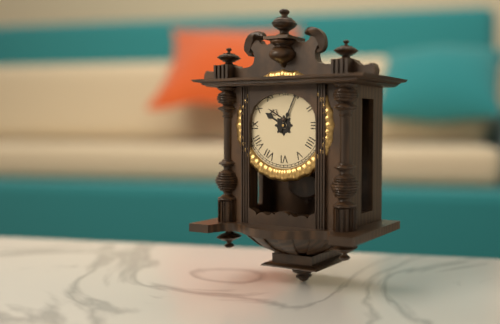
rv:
10 h 04 min
